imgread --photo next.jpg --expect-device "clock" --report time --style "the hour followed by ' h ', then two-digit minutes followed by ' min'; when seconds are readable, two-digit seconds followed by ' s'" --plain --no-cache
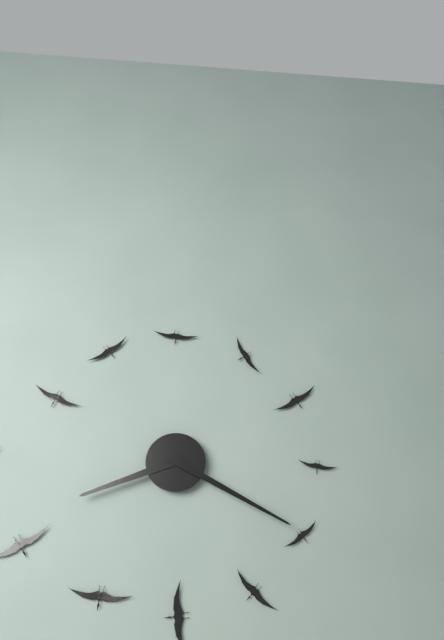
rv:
8 h 20 min
